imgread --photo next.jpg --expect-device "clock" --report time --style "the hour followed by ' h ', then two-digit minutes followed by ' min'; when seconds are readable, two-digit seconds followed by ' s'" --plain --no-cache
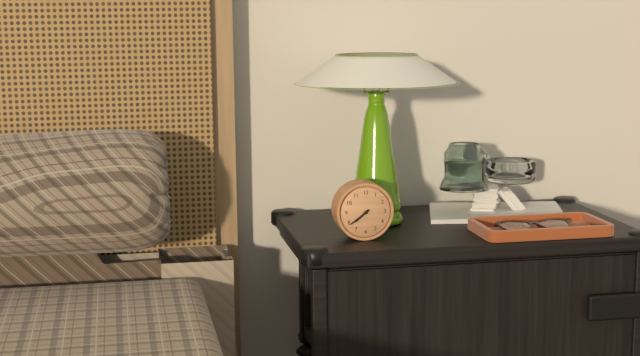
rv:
7 h 39 min
